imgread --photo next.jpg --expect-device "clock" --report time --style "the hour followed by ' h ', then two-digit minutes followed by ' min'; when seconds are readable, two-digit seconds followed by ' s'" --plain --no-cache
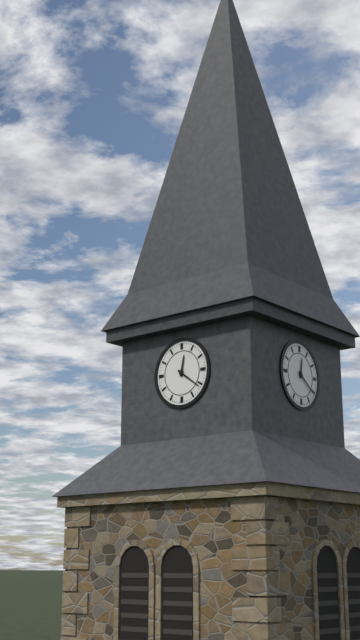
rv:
12 h 21 min
